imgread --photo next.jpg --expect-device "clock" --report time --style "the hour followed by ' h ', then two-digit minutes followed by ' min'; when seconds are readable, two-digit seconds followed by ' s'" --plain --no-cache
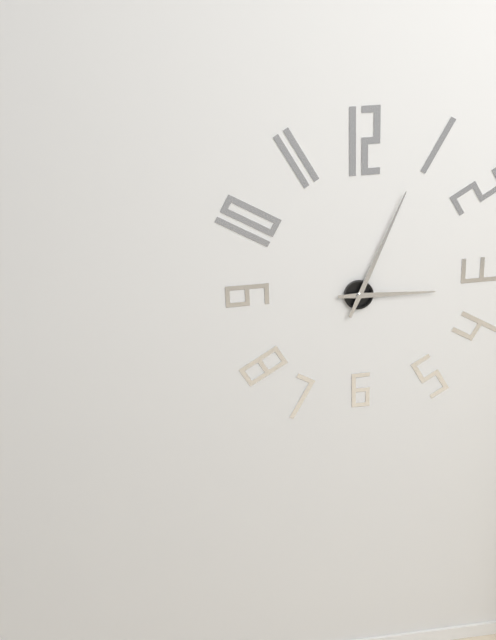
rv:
3 h 04 min
